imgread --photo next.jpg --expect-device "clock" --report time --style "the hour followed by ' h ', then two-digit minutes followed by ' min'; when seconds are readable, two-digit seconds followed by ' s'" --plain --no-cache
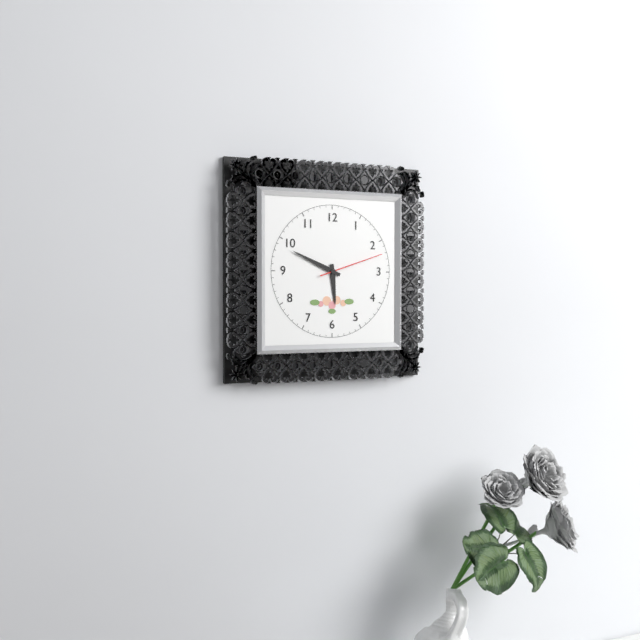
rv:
5 h 49 min 12 s
